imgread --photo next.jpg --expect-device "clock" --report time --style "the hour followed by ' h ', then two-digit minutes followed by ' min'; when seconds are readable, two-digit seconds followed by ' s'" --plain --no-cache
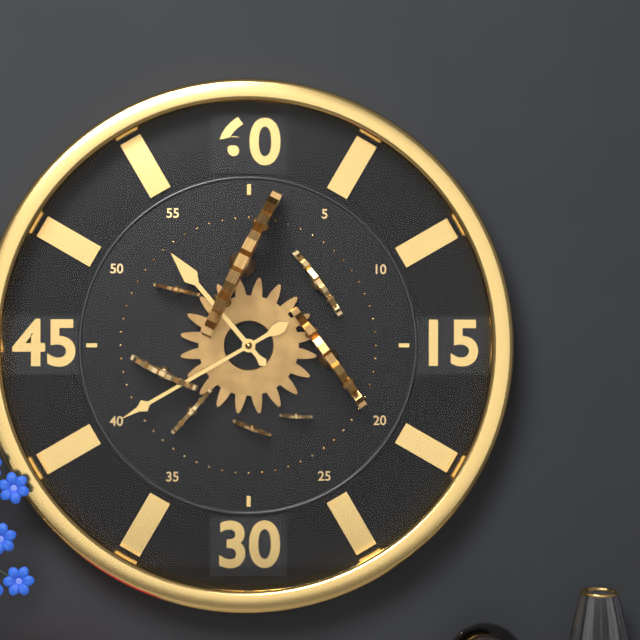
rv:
10 h 40 min
